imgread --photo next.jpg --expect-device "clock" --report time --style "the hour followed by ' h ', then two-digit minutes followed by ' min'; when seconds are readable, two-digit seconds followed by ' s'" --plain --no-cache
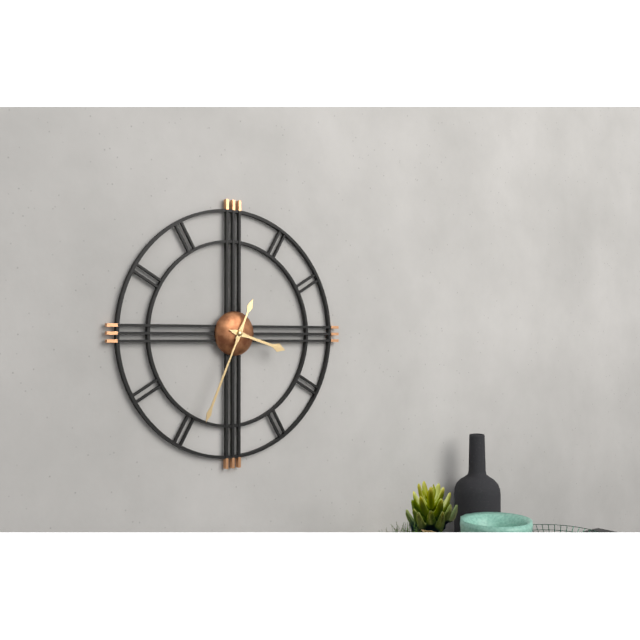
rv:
3 h 34 min
